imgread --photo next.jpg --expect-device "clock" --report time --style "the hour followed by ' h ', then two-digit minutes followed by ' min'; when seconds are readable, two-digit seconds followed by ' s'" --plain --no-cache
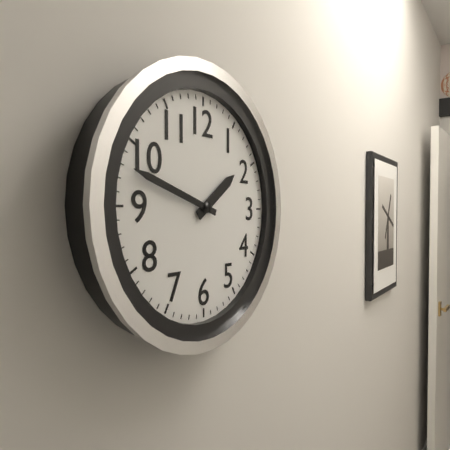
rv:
1 h 48 min
